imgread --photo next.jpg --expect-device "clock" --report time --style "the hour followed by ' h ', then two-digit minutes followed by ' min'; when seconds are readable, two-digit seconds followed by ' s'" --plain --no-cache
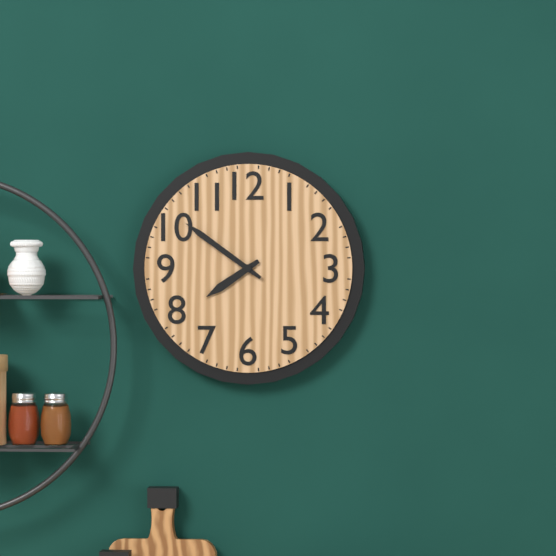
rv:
7 h 51 min
